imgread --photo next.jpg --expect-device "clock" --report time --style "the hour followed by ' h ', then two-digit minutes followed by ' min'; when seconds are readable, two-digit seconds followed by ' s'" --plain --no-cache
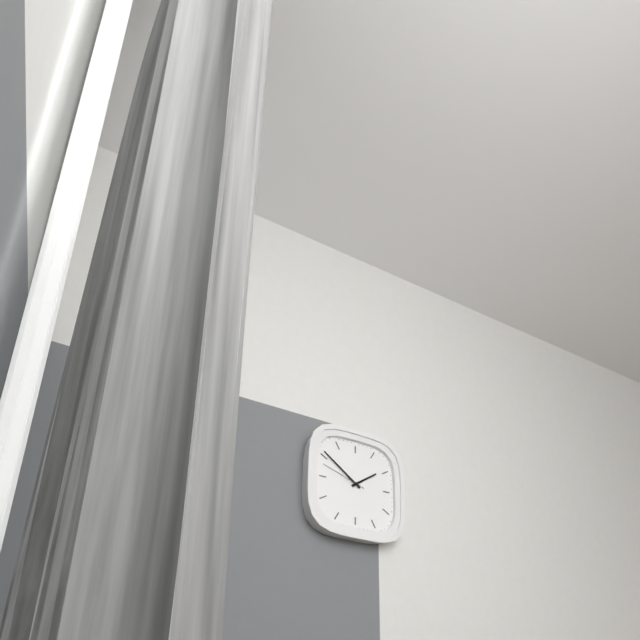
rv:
1 h 51 min
